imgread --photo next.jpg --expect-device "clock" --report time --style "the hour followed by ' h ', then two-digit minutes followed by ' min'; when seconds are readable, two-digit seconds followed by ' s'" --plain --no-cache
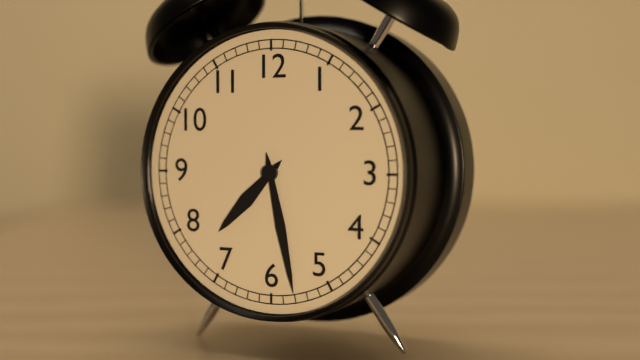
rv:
7 h 28 min
